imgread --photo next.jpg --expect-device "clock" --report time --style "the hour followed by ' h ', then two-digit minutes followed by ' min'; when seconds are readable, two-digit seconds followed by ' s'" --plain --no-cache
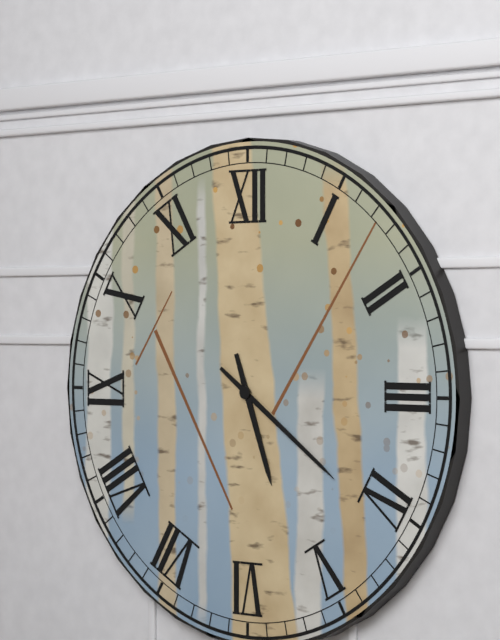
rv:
5 h 21 min
